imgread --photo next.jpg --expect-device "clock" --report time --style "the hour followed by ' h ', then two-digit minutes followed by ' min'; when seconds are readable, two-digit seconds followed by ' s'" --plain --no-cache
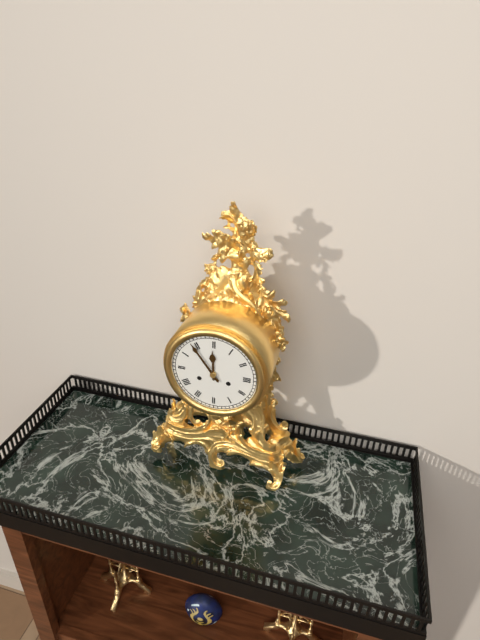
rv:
11 h 54 min
